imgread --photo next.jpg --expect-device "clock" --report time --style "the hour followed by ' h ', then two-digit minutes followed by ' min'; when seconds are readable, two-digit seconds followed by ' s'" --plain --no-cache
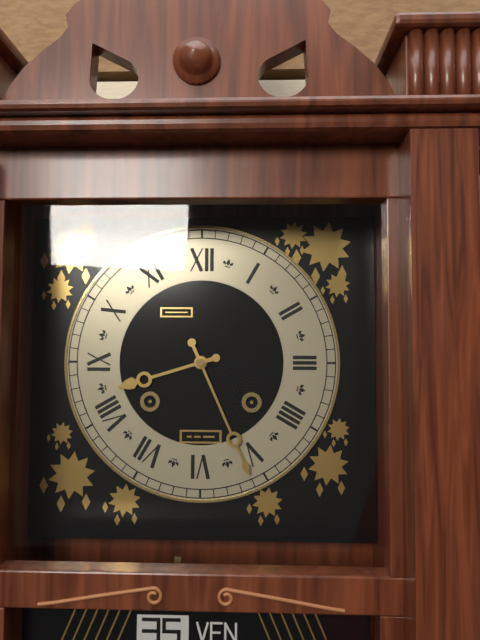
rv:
8 h 26 min
